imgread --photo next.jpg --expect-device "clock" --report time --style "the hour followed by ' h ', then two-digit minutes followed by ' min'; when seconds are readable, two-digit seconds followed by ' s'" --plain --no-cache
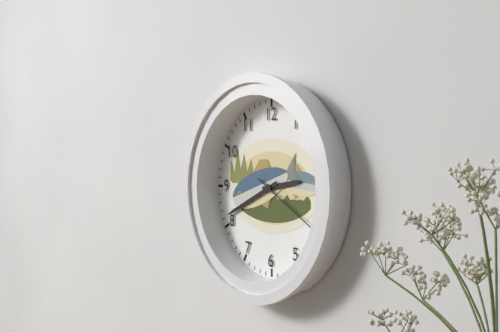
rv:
2 h 41 min 20 s
